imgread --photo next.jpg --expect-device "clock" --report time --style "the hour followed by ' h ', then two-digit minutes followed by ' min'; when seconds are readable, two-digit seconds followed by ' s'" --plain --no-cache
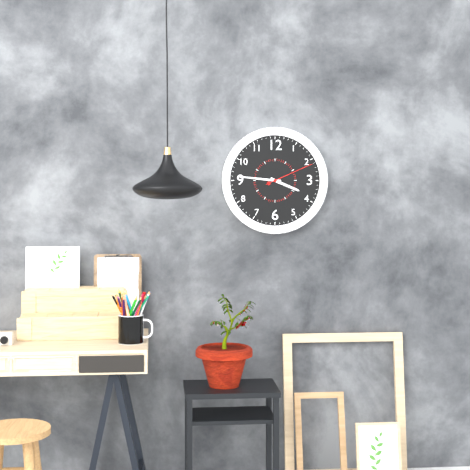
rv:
3 h 46 min 11 s
